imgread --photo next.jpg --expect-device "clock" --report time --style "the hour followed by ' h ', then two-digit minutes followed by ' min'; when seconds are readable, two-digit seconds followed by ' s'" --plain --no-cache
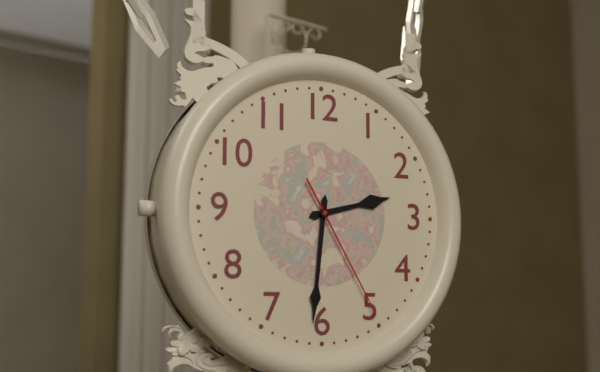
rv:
2 h 31 min 25 s
